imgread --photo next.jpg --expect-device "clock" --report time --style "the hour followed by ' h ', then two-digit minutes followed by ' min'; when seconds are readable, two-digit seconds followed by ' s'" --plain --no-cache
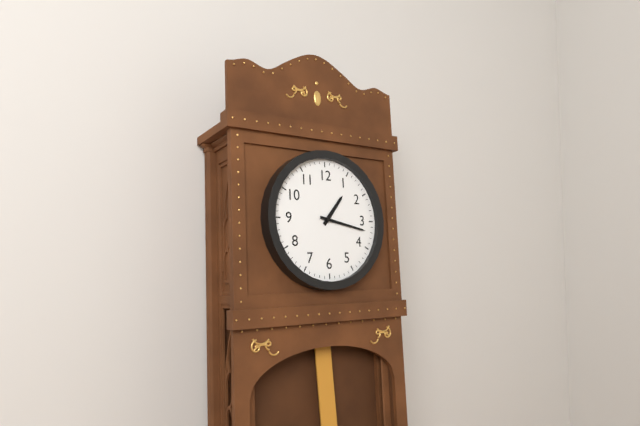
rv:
1 h 17 min
